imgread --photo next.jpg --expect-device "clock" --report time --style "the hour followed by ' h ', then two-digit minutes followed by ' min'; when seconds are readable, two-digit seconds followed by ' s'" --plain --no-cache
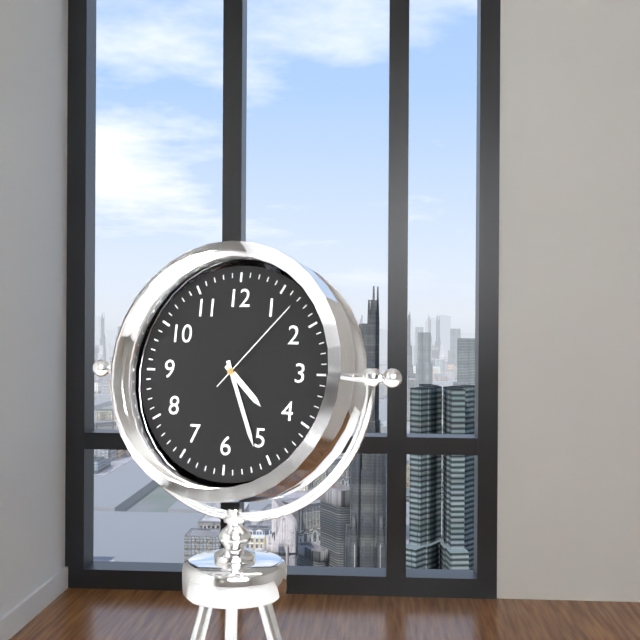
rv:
4 h 26 min 07 s
